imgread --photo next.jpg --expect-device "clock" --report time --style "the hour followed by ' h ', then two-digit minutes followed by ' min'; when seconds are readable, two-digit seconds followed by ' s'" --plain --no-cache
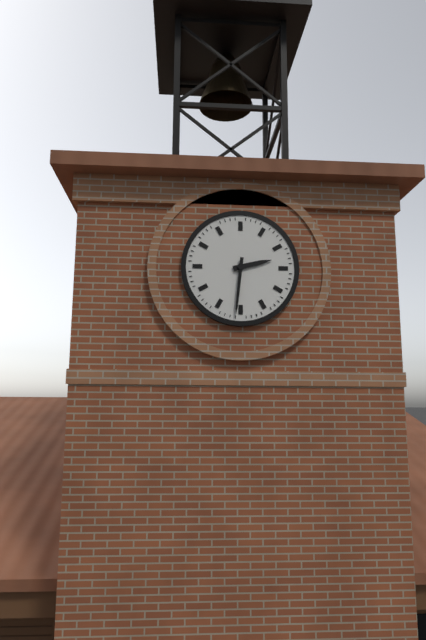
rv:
2 h 31 min
